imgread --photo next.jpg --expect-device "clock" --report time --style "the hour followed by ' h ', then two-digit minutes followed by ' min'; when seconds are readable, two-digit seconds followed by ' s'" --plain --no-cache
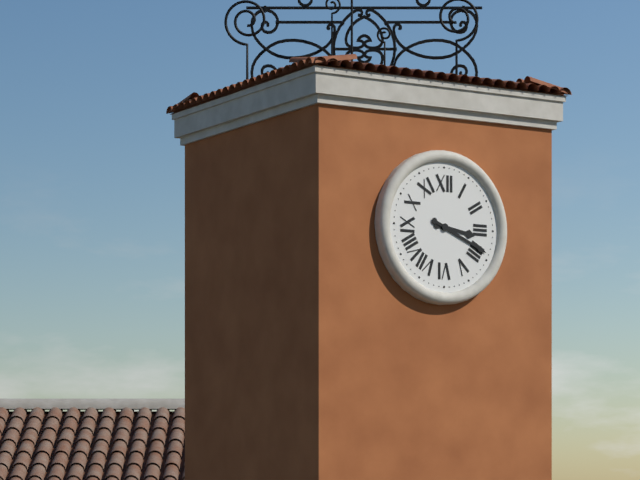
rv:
3 h 19 min
